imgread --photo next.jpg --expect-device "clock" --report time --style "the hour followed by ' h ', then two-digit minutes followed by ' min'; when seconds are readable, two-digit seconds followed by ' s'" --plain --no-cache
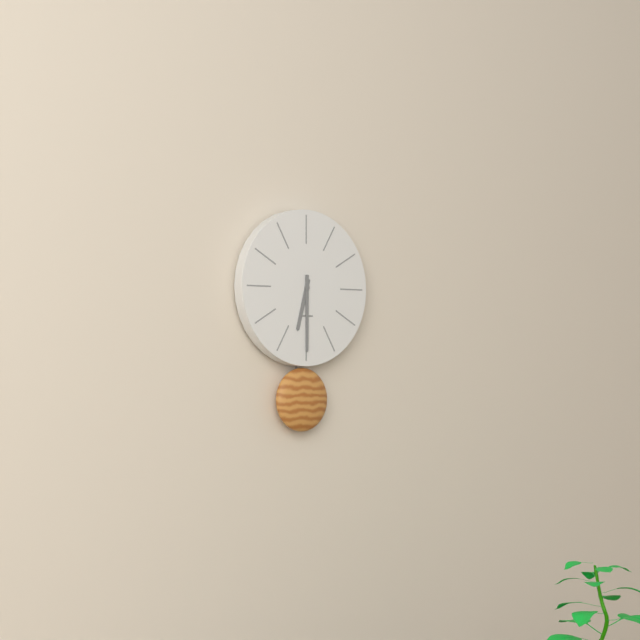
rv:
6 h 30 min
